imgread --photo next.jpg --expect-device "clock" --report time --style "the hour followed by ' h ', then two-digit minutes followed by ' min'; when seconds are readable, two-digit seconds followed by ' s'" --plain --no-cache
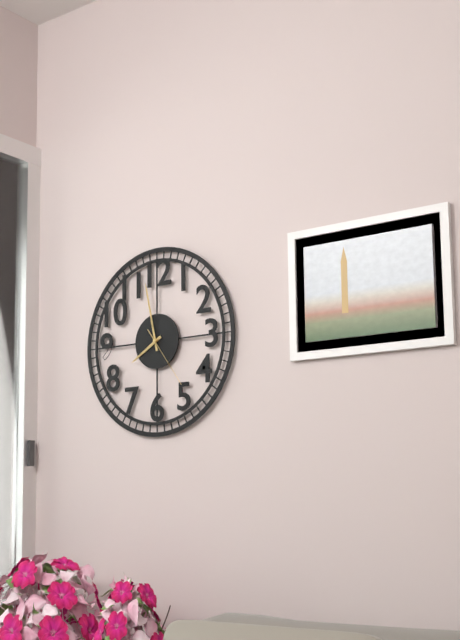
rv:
7 h 58 min 24 s
